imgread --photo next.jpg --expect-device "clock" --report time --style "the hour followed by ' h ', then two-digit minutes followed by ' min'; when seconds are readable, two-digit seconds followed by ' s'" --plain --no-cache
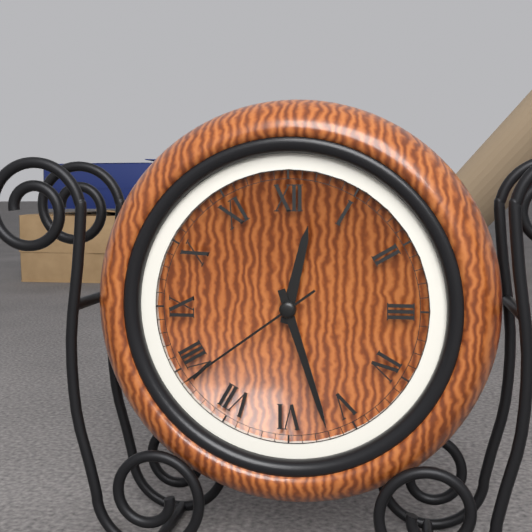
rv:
12 h 27 min 39 s
